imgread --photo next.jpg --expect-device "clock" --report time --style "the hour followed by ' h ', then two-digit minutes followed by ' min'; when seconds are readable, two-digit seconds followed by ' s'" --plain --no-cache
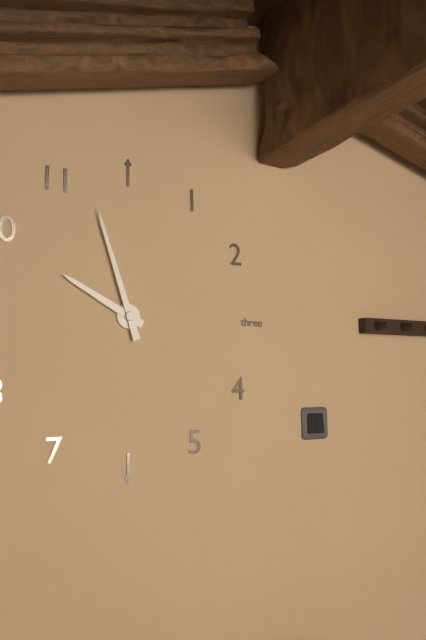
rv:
9 h 57 min
